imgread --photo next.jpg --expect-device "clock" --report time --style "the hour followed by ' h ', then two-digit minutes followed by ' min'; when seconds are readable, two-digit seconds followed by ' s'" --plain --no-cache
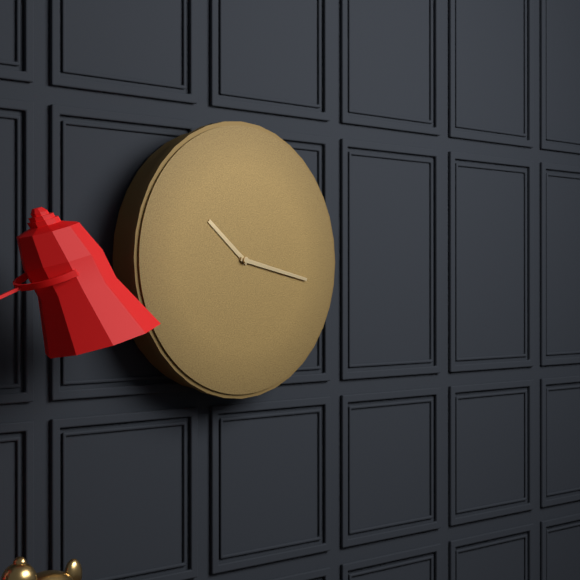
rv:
10 h 17 min
